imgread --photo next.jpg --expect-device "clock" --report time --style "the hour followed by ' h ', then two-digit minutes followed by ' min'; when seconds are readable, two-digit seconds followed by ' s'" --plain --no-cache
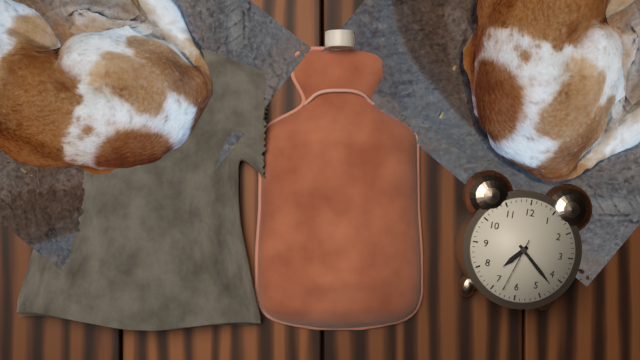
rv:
7 h 22 min 33 s
